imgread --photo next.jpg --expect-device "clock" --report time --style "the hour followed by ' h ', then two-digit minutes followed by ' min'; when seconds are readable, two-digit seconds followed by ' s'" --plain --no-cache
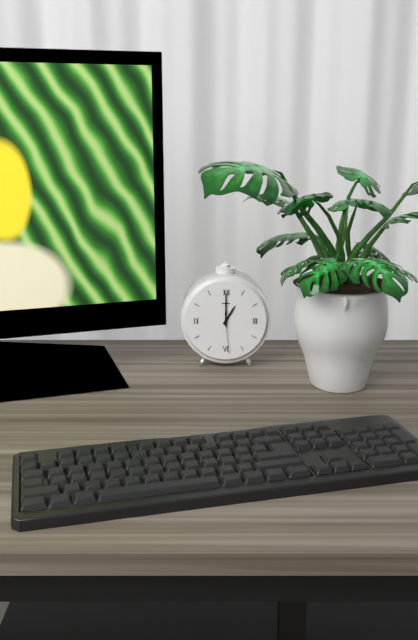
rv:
1 h 00 min
